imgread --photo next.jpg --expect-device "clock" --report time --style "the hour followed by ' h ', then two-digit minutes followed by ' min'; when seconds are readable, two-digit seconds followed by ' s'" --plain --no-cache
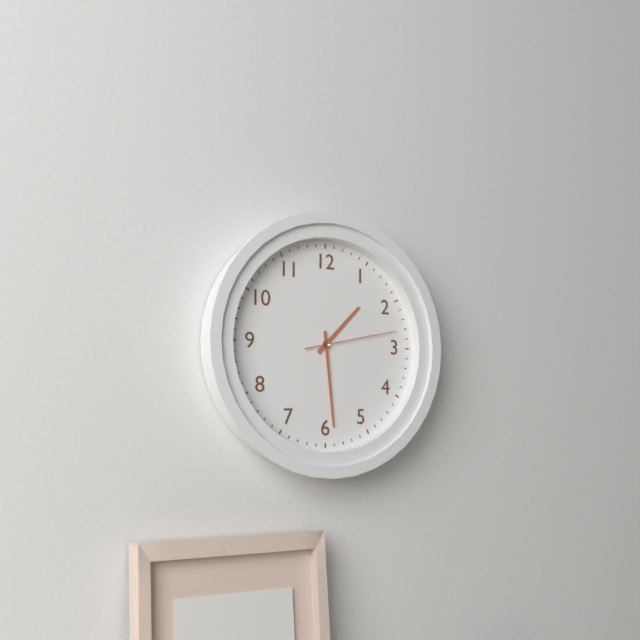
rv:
1 h 29 min 13 s
